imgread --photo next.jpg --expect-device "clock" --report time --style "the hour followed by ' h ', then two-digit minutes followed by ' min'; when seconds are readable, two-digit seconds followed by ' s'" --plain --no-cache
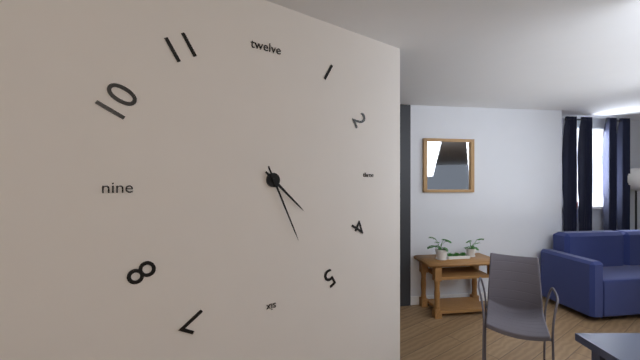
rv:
4 h 26 min
